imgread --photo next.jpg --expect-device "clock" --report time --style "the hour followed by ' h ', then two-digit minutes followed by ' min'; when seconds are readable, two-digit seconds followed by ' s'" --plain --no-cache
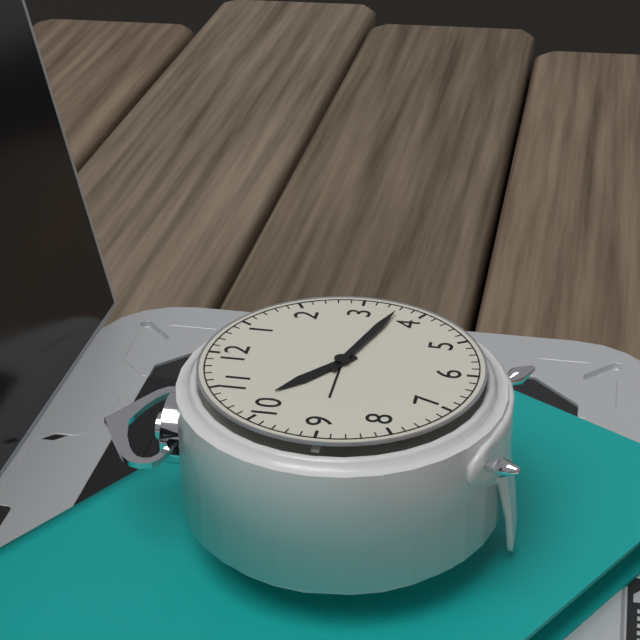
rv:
10 h 18 min
